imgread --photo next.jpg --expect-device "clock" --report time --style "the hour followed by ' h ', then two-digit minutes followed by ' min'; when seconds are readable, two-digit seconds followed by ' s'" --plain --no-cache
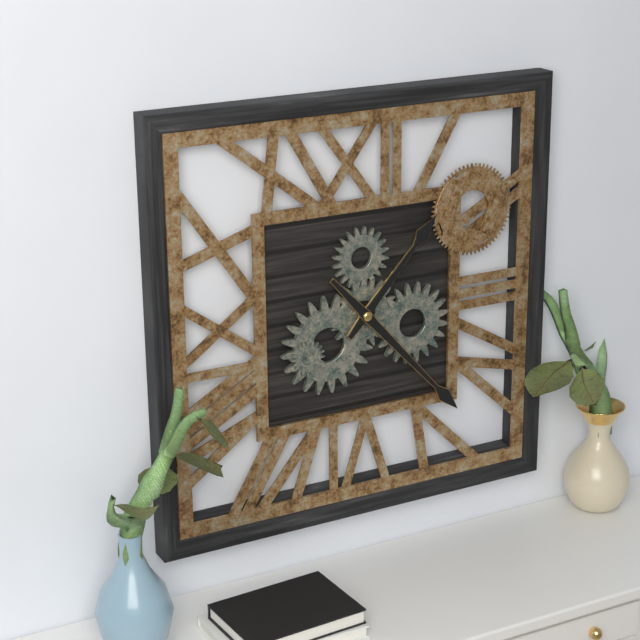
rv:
1 h 23 min
